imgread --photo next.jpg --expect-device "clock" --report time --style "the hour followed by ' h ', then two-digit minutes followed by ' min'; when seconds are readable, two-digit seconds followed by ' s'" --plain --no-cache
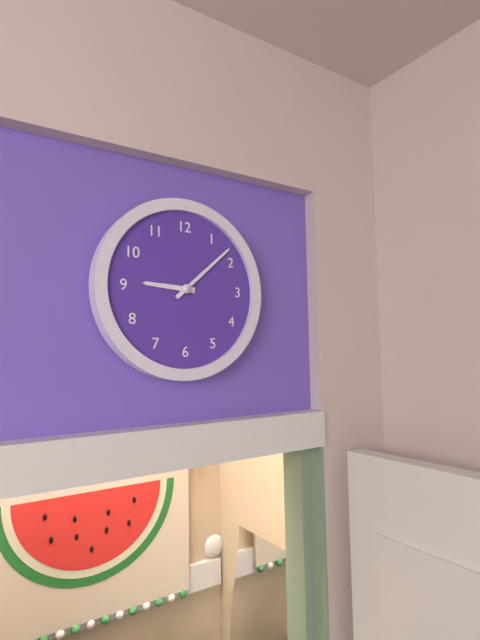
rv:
9 h 08 min
